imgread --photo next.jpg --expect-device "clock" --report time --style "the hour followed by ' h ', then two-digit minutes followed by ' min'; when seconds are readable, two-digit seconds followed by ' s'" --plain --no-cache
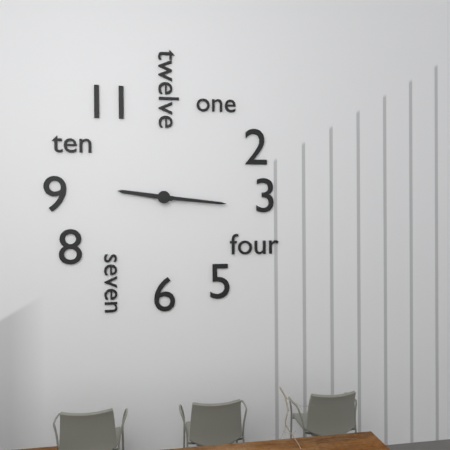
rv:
9 h 16 min
